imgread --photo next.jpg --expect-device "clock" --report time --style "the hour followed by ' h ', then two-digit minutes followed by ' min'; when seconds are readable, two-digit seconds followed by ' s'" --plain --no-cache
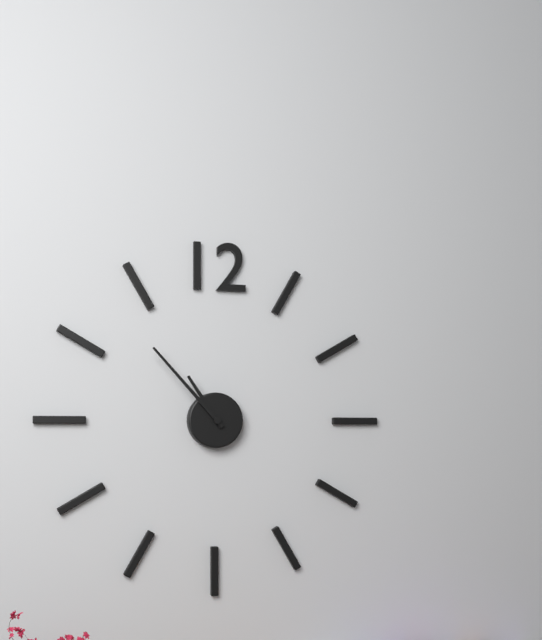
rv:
10 h 53 min
